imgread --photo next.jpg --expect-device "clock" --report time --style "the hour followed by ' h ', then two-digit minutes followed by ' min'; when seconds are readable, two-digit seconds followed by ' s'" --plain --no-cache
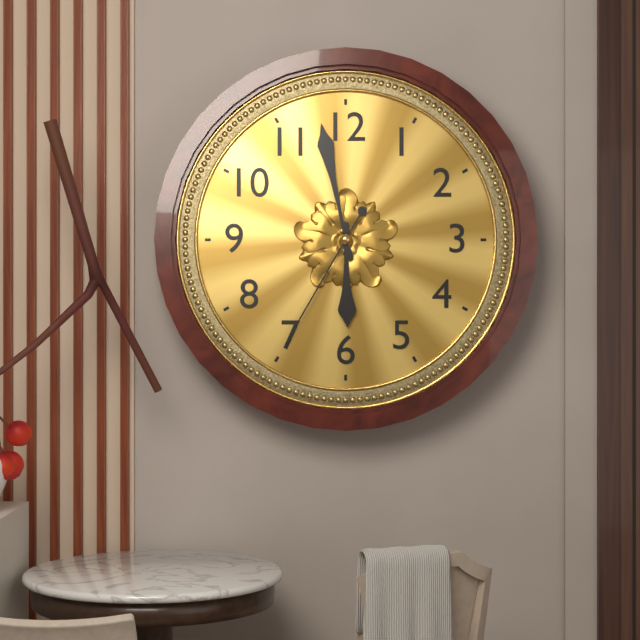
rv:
5 h 58 min 35 s
